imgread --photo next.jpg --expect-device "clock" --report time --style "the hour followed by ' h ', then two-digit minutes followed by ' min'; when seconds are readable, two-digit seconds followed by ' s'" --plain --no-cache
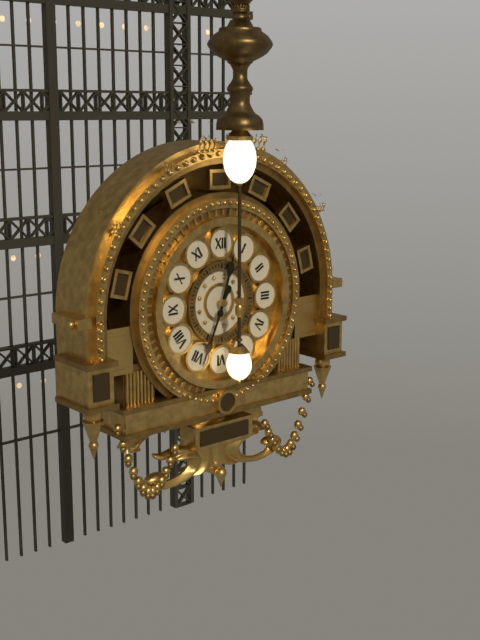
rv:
12 h 34 min
